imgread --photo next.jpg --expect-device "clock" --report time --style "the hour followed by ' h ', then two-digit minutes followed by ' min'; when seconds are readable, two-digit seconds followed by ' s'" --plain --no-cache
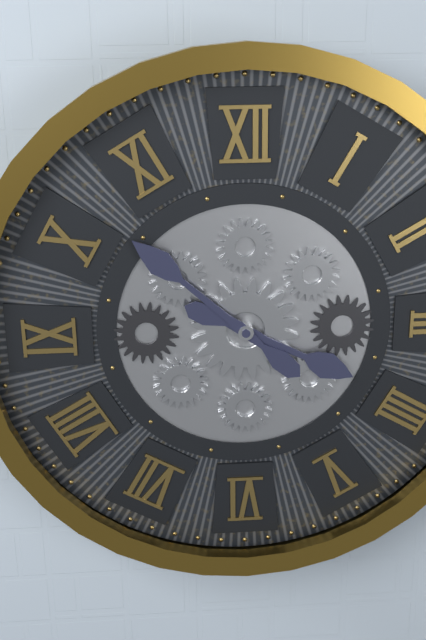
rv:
3 h 52 min
